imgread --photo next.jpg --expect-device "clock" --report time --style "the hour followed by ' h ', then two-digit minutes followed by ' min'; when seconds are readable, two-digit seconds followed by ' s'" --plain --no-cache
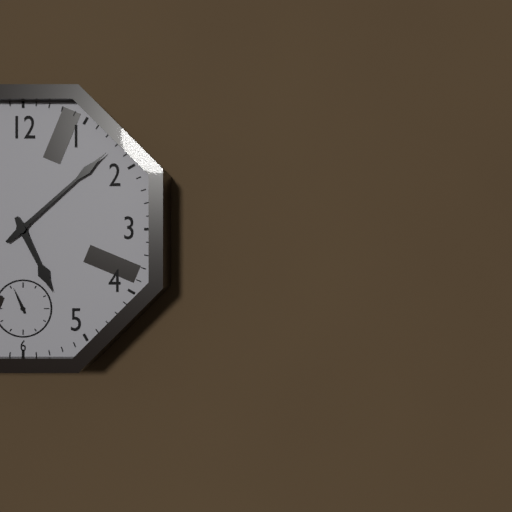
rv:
5 h 08 min
